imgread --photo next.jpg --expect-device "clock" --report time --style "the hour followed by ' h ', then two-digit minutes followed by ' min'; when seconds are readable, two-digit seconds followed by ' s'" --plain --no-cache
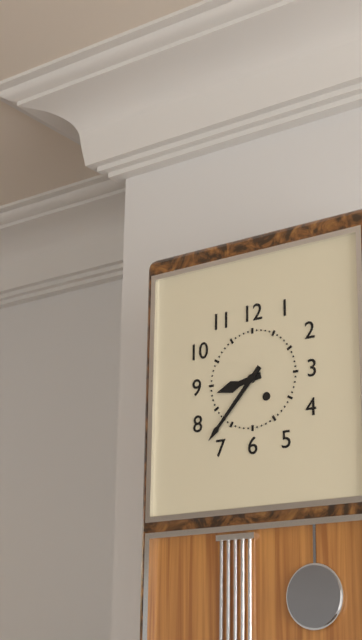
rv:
8 h 37 min
